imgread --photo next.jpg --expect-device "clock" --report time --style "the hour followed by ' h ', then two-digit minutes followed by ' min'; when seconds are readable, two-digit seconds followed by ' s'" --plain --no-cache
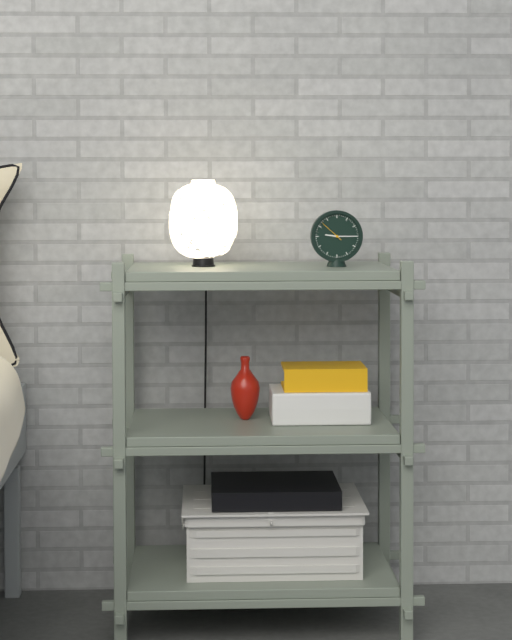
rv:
9 h 15 min
